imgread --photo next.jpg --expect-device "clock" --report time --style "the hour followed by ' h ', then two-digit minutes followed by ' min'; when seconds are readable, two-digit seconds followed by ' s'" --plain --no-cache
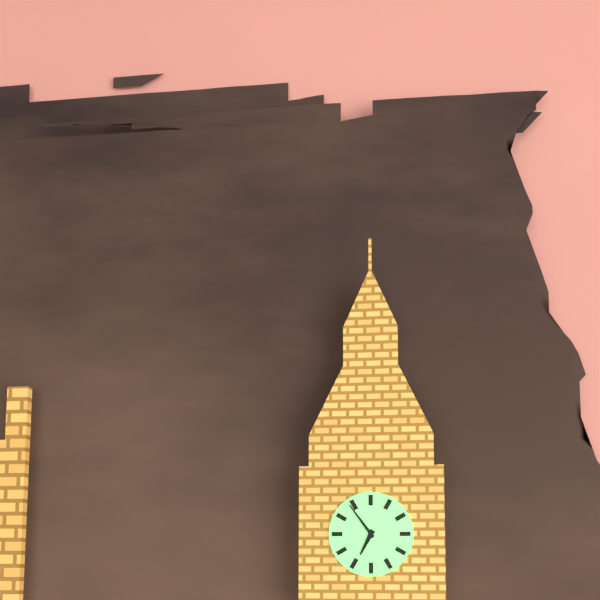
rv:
6 h 54 min
